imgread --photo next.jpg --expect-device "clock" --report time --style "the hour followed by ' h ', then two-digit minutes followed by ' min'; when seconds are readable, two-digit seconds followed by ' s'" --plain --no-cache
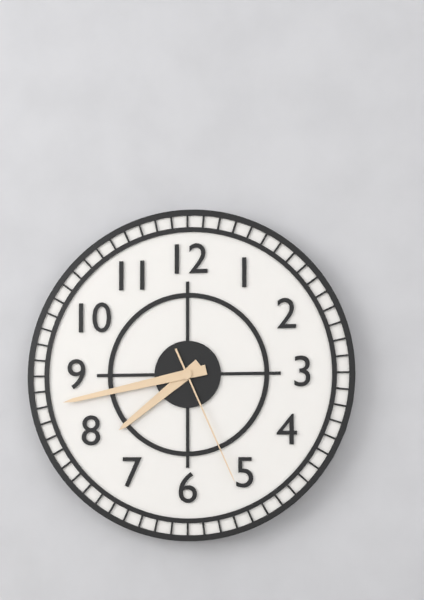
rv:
7 h 43 min 26 s
